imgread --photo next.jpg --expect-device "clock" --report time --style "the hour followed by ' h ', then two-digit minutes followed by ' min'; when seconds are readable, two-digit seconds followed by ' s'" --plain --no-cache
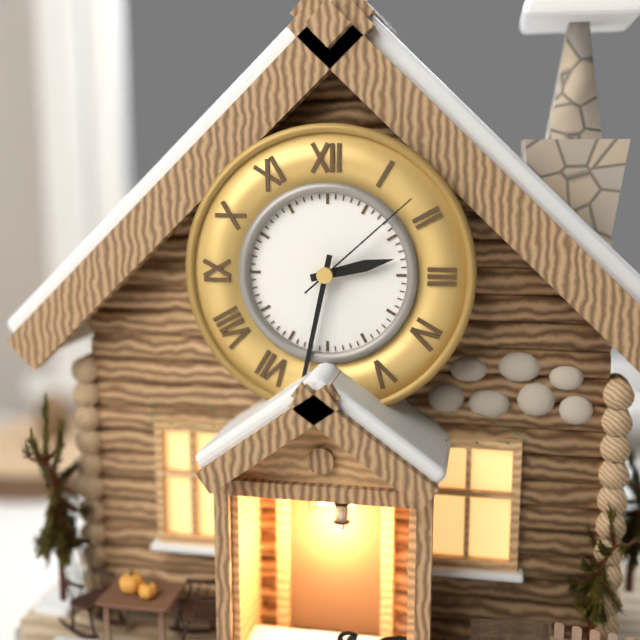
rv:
2 h 32 min 08 s
